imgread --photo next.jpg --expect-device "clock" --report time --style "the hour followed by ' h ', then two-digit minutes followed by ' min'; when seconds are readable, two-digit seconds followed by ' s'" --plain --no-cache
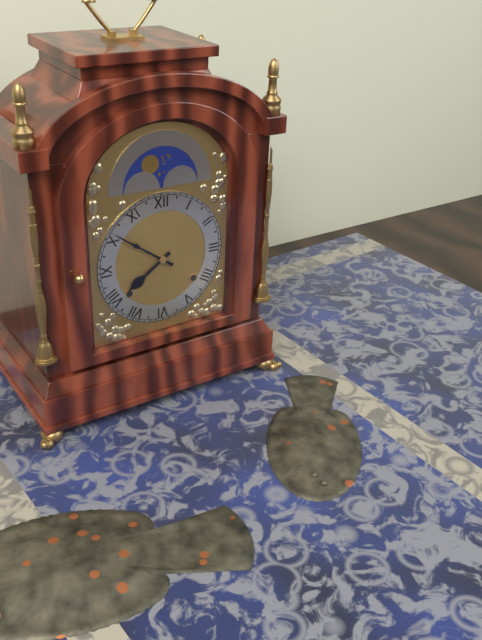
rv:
7 h 51 min
